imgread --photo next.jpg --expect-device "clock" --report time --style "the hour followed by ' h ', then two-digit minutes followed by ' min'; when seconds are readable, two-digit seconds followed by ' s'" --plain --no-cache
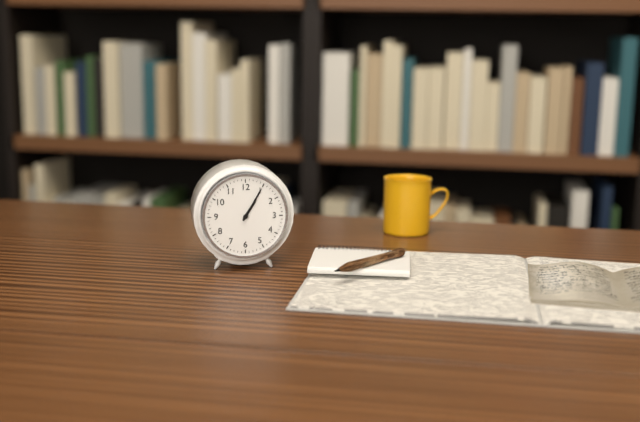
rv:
1 h 05 min
